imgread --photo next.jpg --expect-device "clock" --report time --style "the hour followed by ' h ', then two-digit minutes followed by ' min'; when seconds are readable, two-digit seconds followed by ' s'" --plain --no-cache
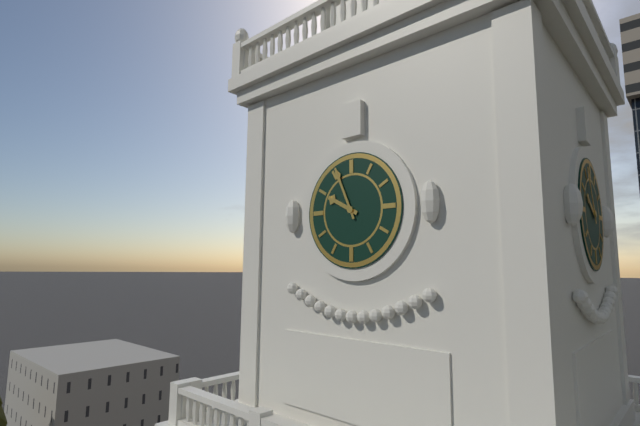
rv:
9 h 56 min
